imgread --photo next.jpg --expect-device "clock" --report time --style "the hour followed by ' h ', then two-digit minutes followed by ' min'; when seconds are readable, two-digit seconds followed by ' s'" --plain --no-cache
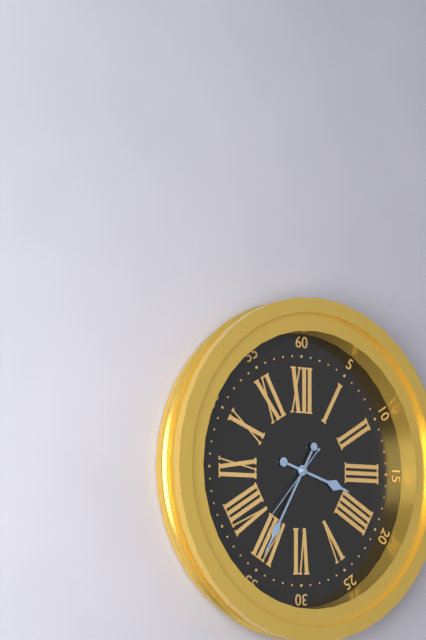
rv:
3 h 35 min 37 s
